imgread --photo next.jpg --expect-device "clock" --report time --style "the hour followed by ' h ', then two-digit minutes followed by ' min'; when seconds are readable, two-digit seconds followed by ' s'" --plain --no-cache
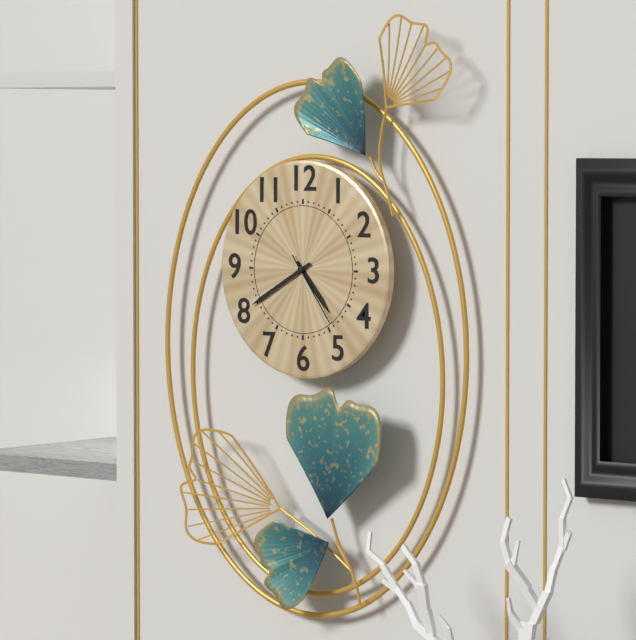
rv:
4 h 40 min 24 s
